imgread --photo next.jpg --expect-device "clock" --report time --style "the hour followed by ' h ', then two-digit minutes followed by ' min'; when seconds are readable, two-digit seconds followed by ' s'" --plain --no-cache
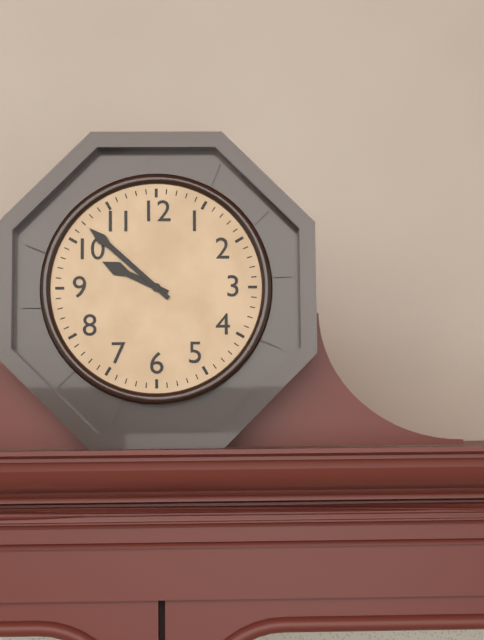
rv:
9 h 52 min
